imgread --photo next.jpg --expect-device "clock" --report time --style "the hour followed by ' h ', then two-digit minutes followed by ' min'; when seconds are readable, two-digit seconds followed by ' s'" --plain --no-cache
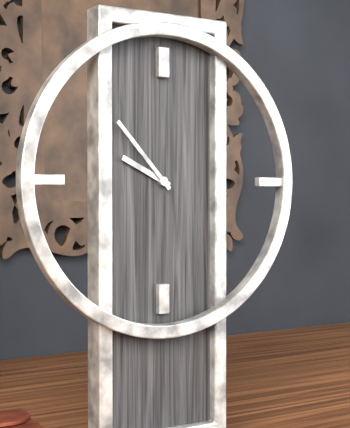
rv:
9 h 53 min
